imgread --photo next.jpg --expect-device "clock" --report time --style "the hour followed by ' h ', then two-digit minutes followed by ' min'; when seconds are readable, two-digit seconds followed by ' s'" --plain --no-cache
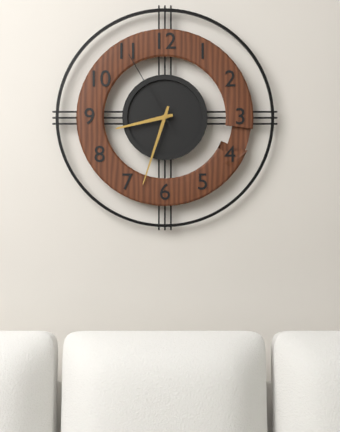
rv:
8 h 33 min 55 s
